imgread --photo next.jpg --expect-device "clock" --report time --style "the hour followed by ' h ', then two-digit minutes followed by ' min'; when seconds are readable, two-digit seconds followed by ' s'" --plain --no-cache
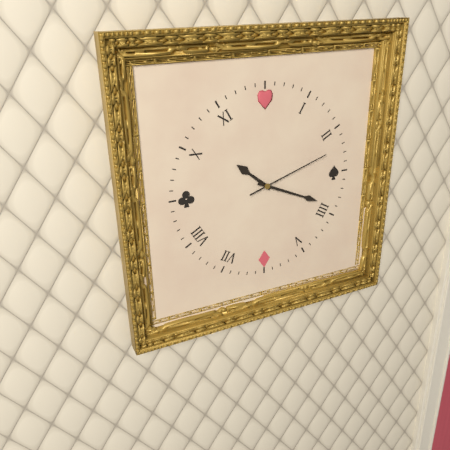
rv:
10 h 19 min 12 s
